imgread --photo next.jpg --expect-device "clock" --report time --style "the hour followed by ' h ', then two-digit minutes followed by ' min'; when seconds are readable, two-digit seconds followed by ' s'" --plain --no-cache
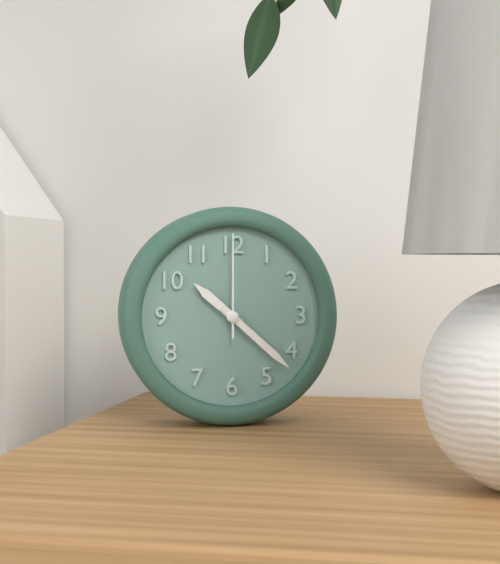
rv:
10 h 22 min 00 s
